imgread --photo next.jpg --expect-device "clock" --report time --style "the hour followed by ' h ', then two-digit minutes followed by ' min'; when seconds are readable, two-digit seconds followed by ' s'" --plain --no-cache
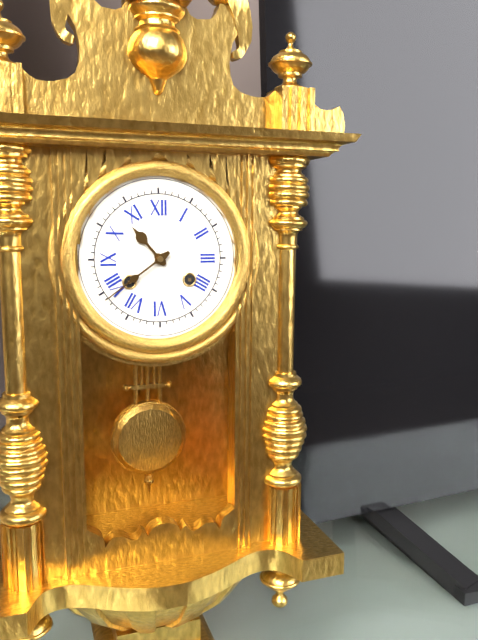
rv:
10 h 39 min
